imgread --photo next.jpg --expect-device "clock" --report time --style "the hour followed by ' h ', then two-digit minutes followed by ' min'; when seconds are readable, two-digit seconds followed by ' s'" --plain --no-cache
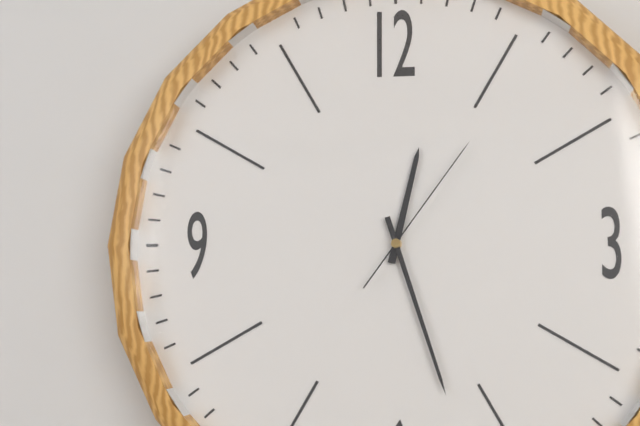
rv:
12 h 27 min 06 s
